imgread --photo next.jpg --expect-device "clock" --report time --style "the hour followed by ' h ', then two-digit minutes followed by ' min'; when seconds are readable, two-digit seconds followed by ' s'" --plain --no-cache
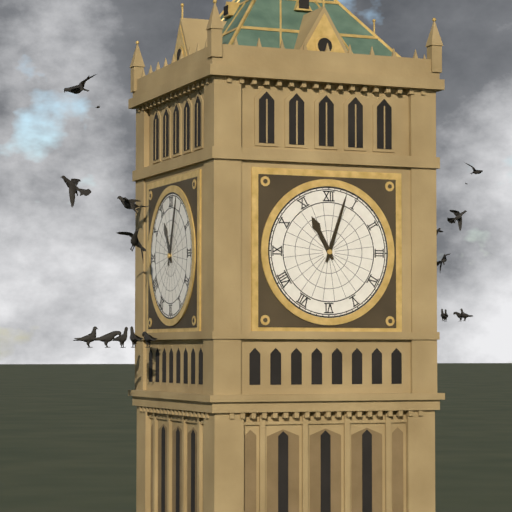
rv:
11 h 03 min
